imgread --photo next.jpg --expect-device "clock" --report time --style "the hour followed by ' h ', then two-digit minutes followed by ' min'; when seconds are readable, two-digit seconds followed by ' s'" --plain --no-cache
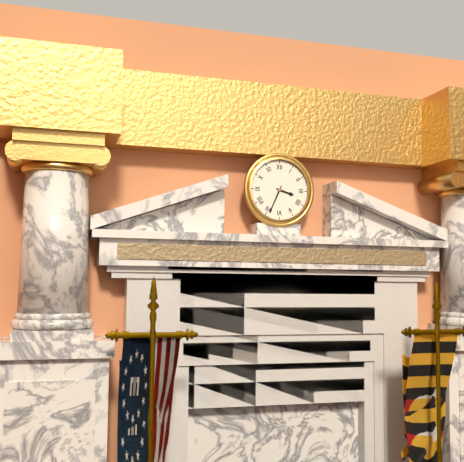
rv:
3 h 34 min
